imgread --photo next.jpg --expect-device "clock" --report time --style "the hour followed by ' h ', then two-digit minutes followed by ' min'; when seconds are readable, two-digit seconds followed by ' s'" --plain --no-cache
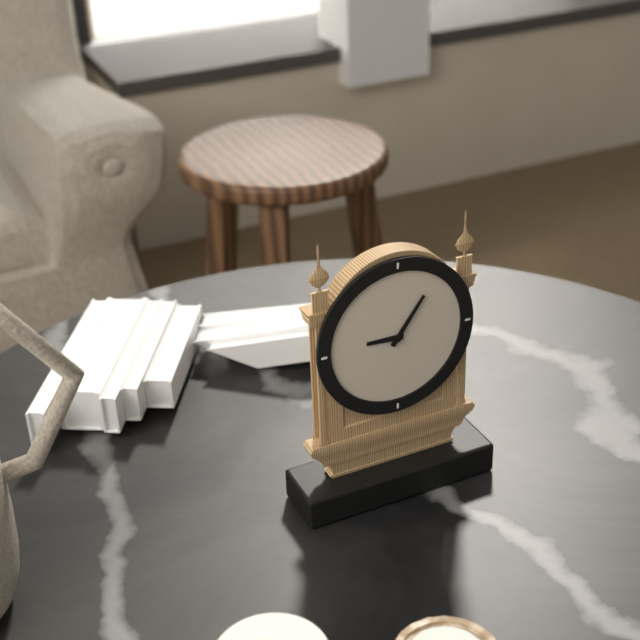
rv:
9 h 06 min
